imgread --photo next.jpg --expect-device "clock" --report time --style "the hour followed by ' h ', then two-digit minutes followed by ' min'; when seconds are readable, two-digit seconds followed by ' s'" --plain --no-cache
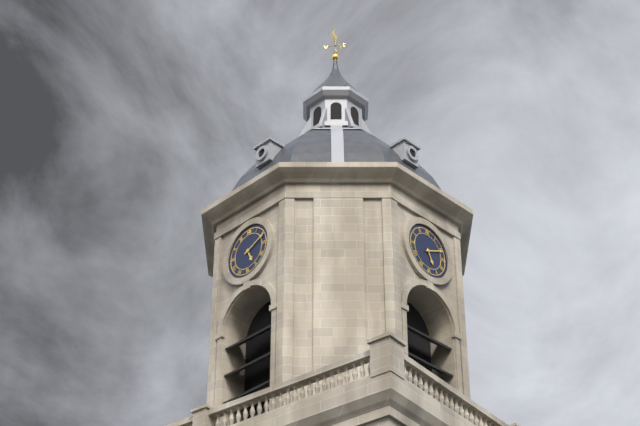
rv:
5 h 11 min
